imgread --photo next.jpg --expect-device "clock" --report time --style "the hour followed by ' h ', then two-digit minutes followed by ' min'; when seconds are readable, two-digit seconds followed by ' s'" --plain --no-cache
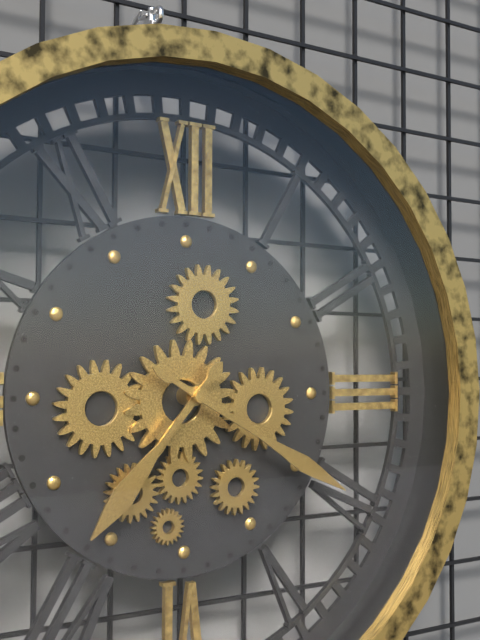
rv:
7 h 20 min
